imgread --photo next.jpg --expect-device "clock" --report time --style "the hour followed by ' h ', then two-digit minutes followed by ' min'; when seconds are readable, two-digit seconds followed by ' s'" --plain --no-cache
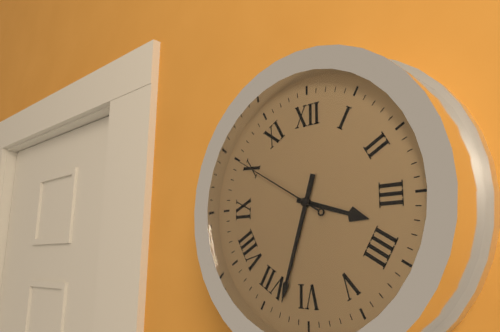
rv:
3 h 33 min 50 s
